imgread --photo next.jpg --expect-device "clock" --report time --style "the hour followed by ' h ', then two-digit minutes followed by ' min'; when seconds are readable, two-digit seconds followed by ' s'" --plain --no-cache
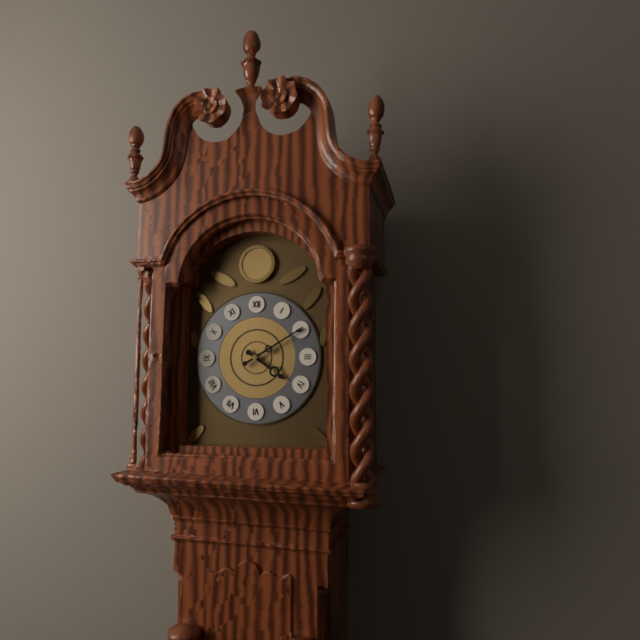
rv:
4 h 10 min
